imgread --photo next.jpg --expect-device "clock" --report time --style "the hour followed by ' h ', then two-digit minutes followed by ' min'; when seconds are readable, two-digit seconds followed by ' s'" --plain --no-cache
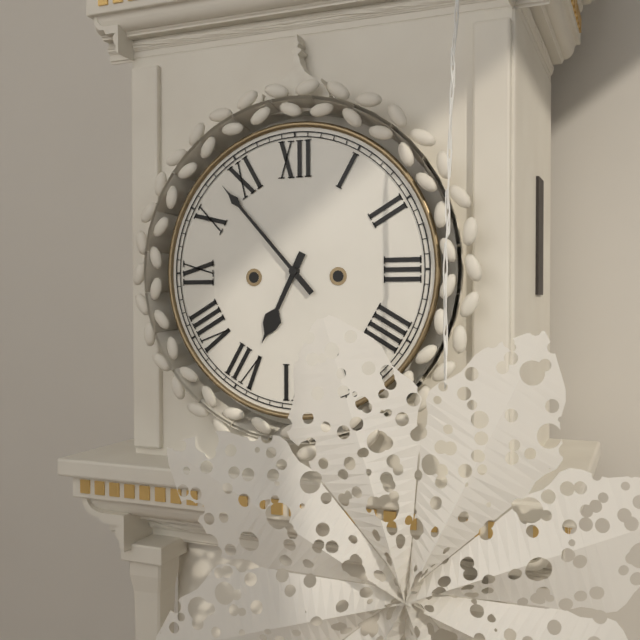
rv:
6 h 53 min
